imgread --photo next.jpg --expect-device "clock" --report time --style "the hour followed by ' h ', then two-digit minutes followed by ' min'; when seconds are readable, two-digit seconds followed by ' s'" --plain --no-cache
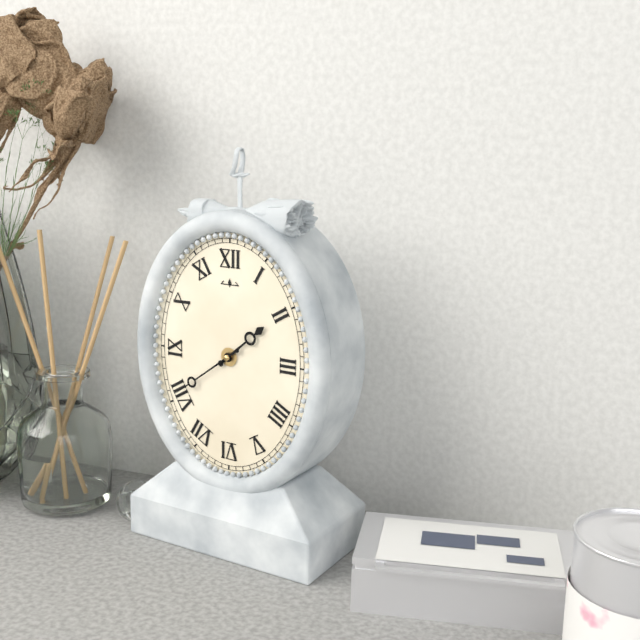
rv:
1 h 39 min
